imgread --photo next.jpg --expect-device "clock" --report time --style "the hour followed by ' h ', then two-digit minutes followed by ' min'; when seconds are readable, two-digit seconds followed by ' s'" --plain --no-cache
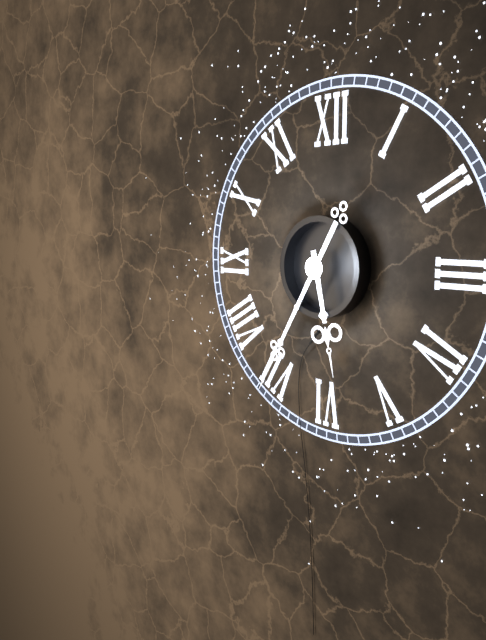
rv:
5 h 35 min
